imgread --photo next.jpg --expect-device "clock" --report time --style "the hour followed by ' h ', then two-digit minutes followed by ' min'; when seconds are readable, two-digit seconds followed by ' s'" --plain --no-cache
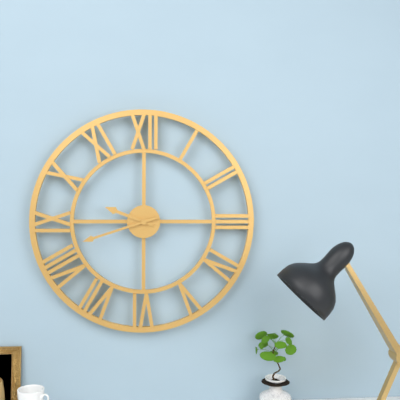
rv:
9 h 42 min
